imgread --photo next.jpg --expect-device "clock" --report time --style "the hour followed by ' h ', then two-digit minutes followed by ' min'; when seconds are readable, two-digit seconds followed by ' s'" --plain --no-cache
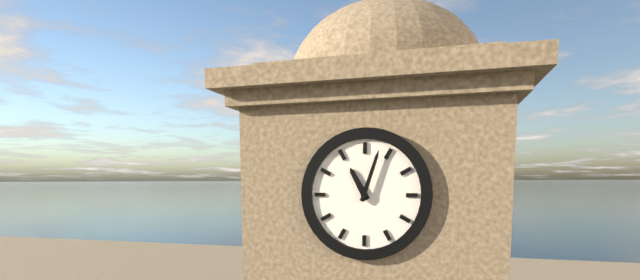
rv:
11 h 03 min
